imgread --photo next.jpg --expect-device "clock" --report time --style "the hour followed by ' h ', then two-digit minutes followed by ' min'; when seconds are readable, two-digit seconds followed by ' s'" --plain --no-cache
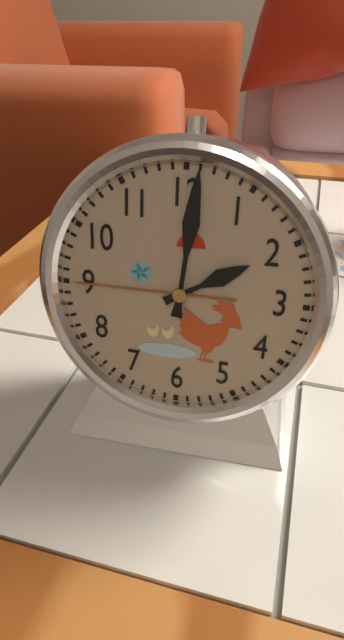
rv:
2 h 01 min
